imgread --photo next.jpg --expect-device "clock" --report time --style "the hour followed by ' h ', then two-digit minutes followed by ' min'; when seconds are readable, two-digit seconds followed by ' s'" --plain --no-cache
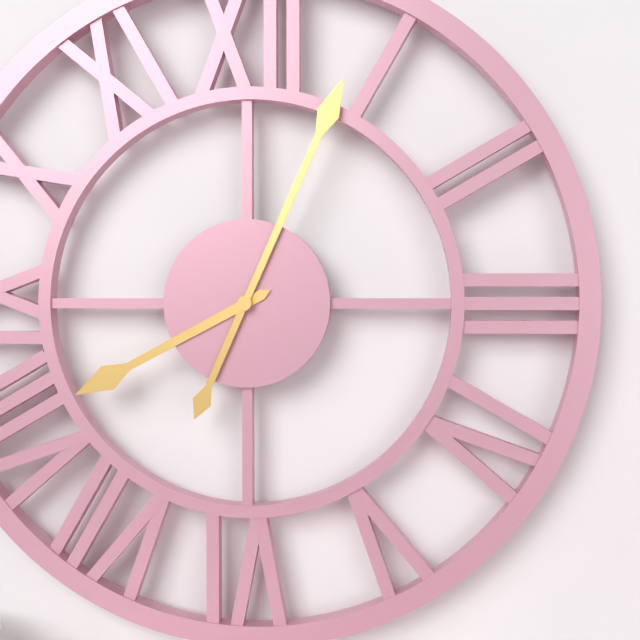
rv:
8 h 04 min
